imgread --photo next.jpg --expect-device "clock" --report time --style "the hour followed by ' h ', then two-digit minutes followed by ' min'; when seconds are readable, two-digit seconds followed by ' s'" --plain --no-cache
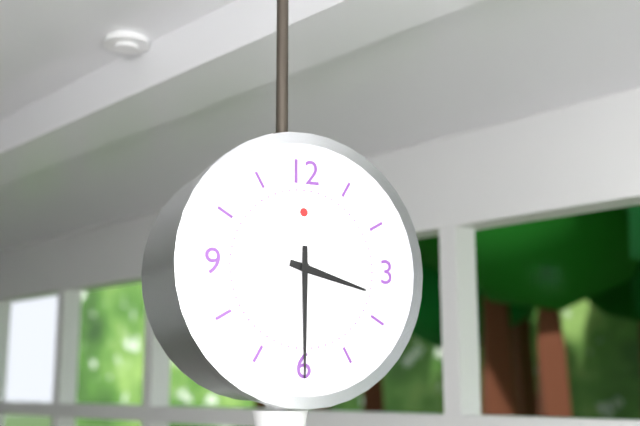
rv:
3 h 30 min
